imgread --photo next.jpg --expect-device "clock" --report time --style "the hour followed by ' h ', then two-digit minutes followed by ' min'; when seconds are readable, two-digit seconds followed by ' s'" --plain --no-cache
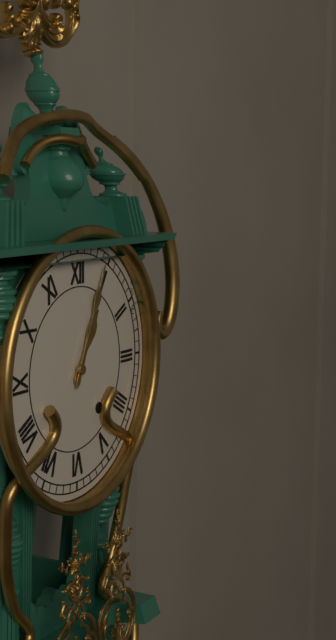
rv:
1 h 04 min
